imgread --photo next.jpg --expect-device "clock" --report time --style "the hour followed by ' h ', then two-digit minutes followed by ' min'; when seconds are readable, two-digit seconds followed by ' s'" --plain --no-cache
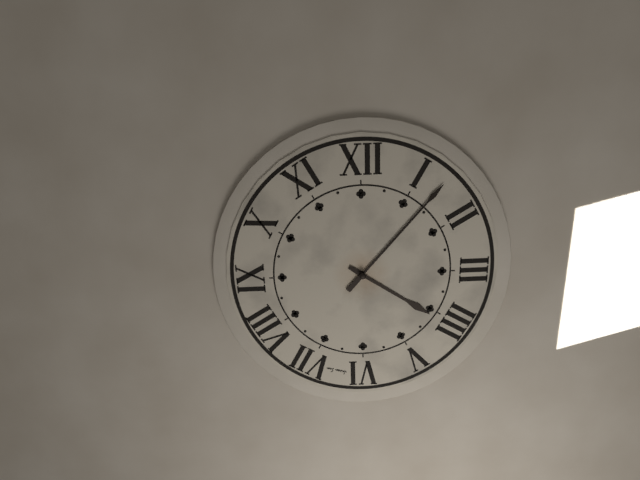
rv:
4 h 07 min
